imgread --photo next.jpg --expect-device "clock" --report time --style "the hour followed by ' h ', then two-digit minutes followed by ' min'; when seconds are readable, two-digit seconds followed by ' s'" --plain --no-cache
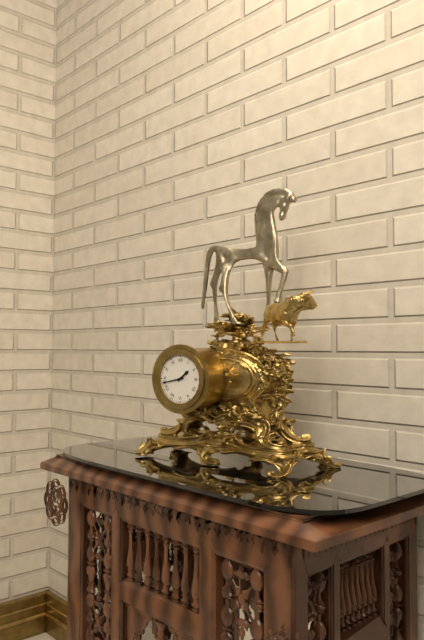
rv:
1 h 43 min
